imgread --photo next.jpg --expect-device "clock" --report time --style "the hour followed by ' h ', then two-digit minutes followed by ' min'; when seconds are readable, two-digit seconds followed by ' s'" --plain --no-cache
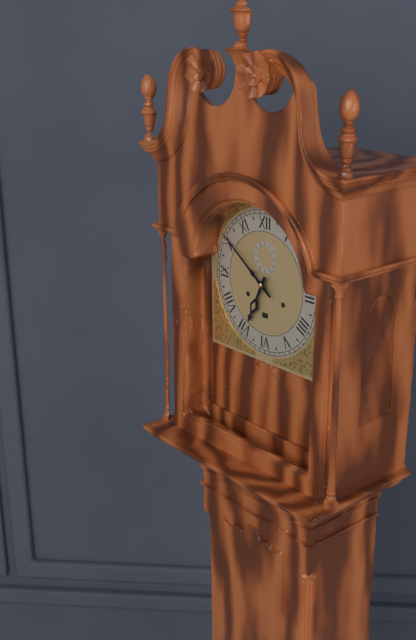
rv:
6 h 51 min
